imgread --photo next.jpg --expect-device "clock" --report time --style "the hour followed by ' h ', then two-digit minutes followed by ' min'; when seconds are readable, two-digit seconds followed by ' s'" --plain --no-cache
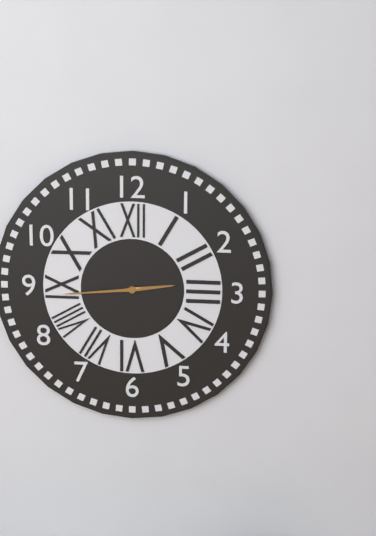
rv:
2 h 44 min
